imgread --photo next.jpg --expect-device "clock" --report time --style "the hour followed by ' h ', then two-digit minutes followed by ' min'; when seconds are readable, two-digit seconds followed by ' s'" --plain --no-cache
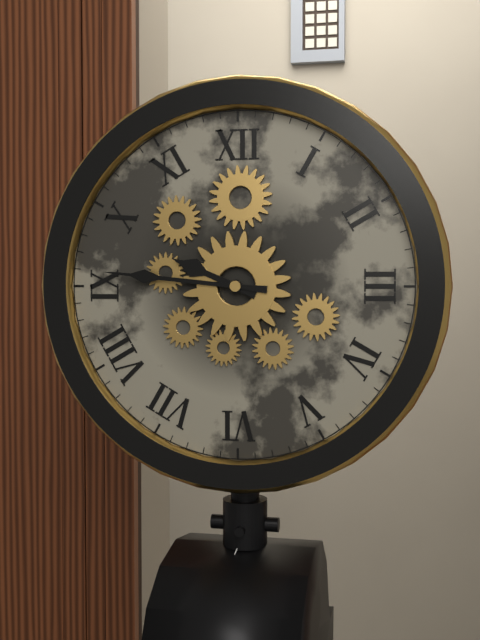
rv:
9 h 46 min
